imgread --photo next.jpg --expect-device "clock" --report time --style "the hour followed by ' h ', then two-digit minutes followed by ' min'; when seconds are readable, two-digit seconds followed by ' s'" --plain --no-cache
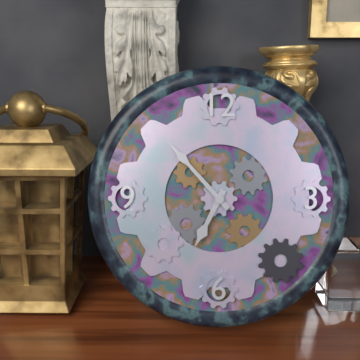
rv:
6 h 53 min
